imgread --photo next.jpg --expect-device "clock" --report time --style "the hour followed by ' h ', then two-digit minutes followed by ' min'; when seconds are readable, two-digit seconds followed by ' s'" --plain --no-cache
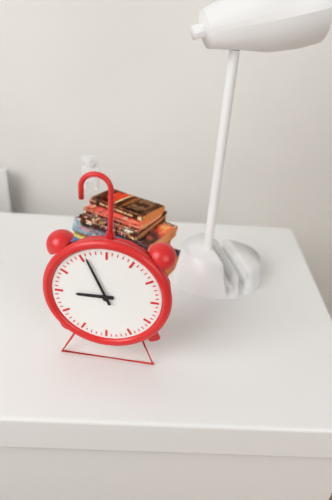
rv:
8 h 56 min
